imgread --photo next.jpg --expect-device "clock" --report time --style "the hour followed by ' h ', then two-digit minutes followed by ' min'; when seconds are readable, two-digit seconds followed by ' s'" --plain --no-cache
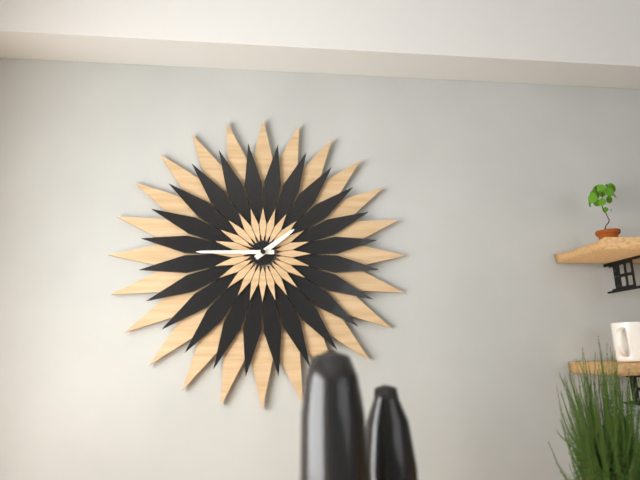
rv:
1 h 45 min
